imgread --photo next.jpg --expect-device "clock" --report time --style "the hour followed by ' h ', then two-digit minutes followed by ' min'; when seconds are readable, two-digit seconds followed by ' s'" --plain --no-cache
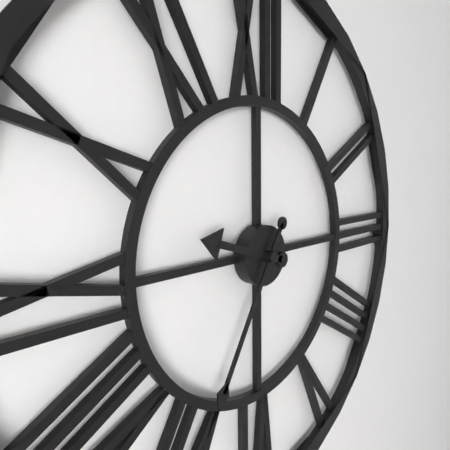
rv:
9 h 35 min
